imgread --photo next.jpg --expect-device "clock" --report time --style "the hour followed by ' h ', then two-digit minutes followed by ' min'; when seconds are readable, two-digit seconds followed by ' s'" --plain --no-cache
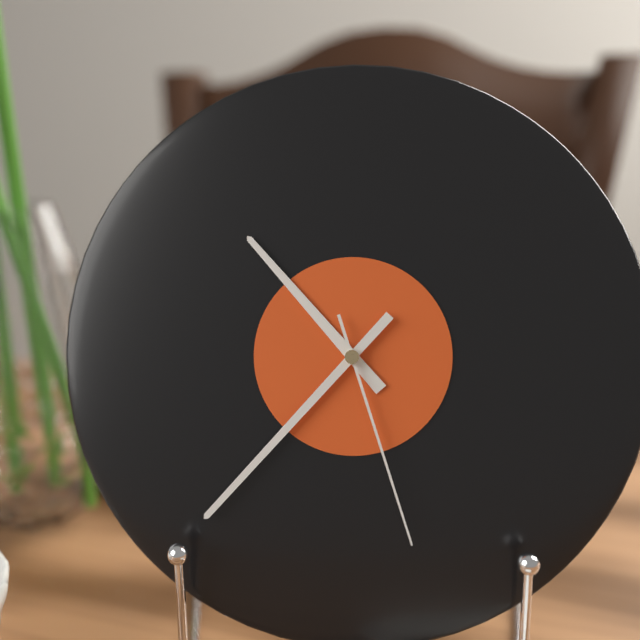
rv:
10 h 37 min 27 s
